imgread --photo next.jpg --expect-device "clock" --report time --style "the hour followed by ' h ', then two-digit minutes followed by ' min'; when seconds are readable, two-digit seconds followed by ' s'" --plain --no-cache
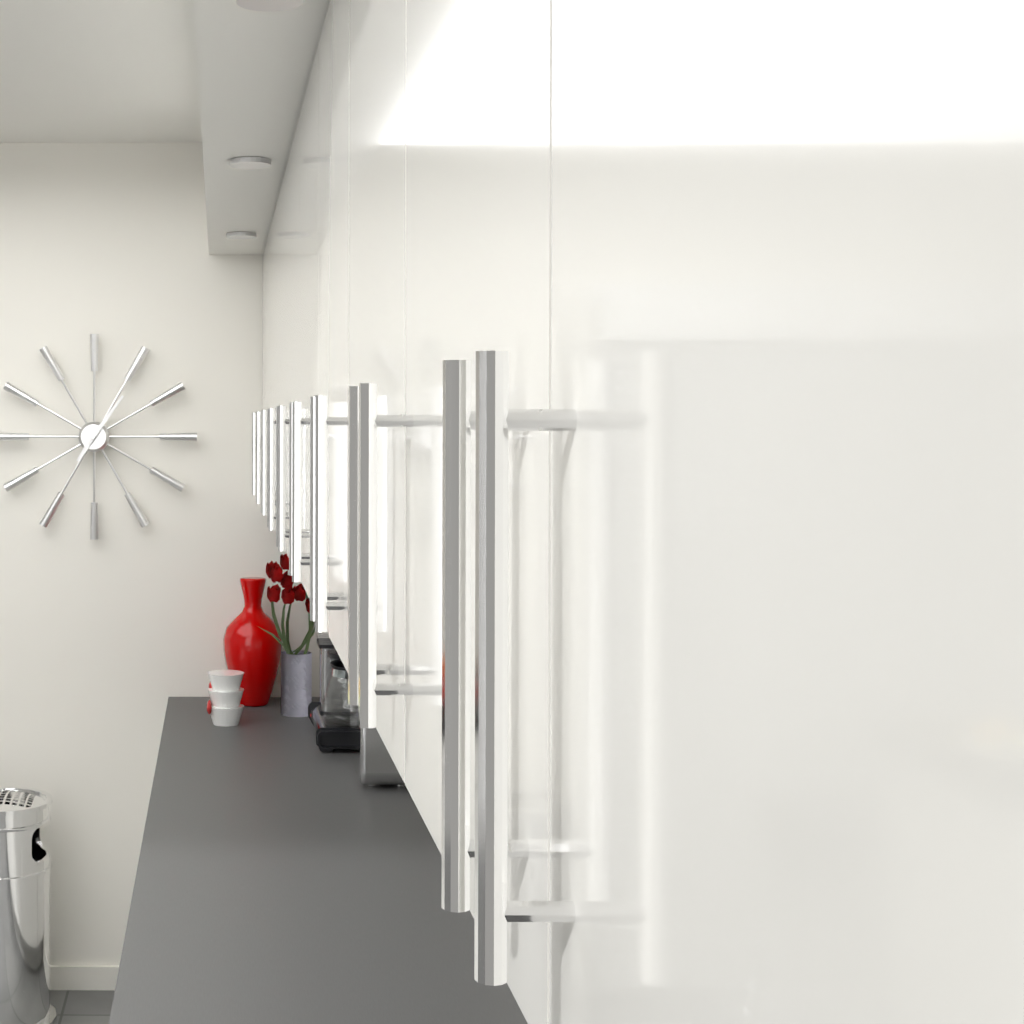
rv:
7 h 06 min
